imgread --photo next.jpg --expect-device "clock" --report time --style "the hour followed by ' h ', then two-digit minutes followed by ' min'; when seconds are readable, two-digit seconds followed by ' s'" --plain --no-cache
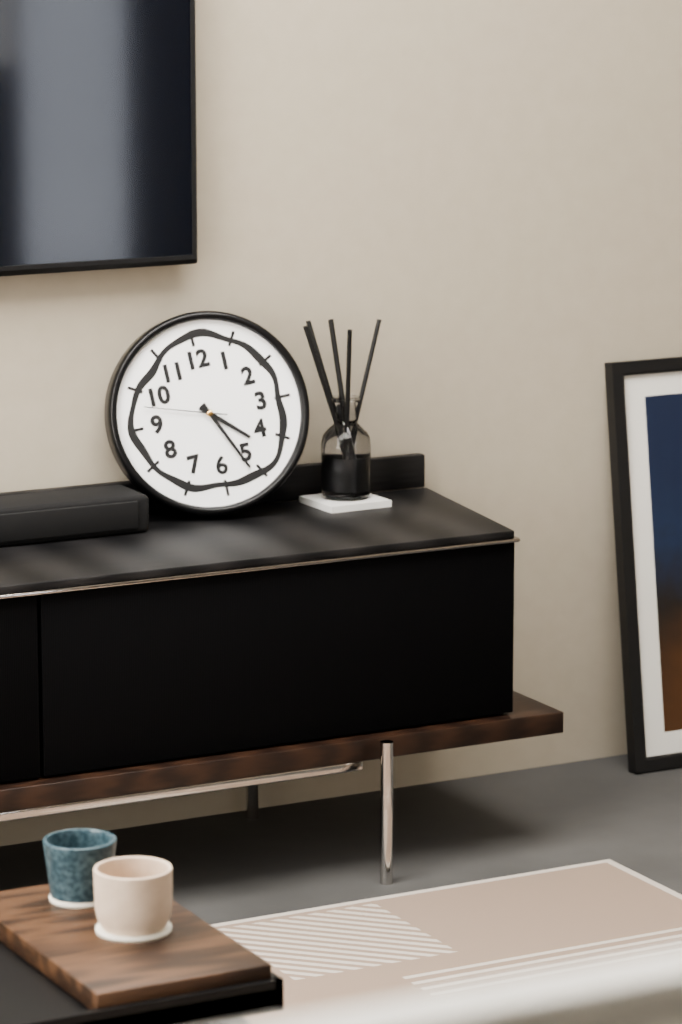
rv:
4 h 26 min 48 s
